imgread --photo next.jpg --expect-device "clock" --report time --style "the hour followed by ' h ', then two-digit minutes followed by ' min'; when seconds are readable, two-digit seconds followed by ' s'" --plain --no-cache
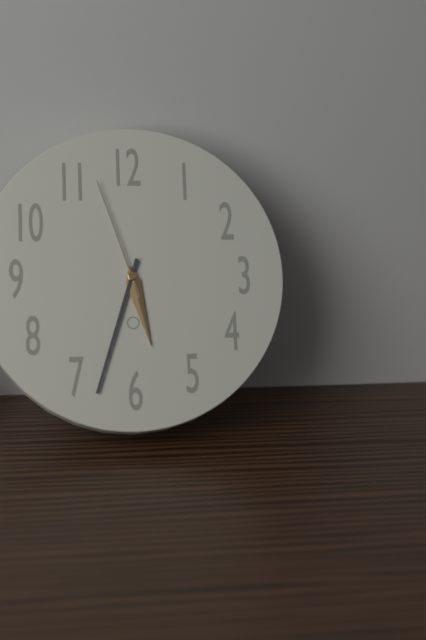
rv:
5 h 33 min 57 s
